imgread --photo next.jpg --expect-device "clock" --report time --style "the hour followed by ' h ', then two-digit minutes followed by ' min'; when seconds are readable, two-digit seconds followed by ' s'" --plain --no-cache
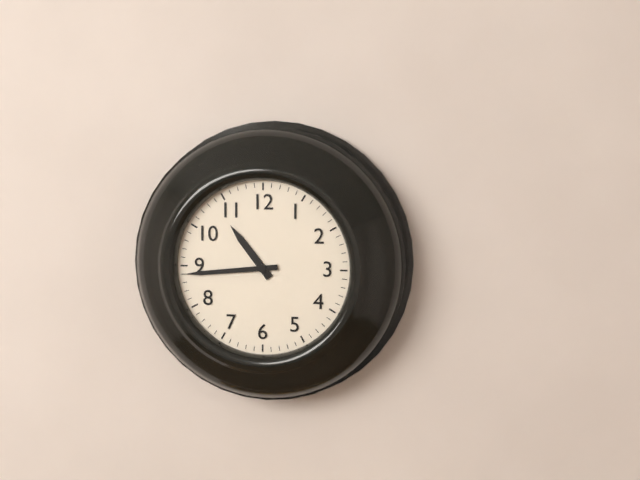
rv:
10 h 44 min
